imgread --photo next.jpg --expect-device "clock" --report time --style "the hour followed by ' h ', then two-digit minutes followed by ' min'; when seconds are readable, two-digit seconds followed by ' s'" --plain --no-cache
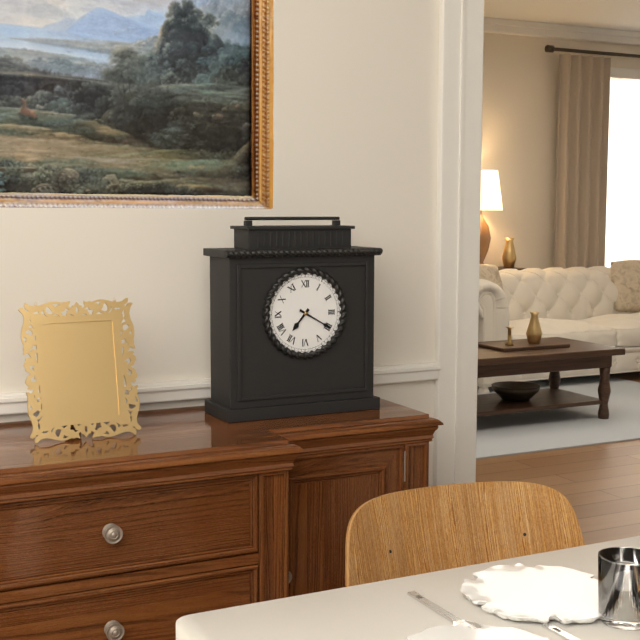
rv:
7 h 20 min
